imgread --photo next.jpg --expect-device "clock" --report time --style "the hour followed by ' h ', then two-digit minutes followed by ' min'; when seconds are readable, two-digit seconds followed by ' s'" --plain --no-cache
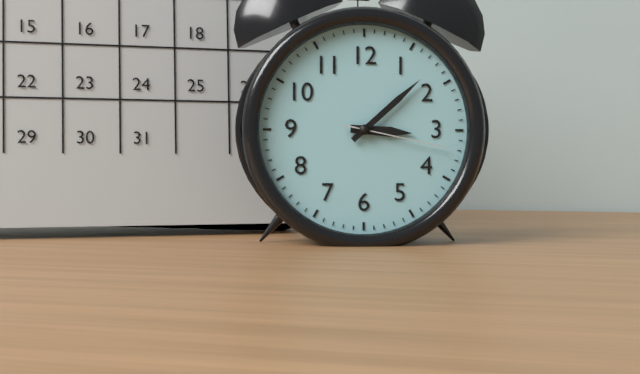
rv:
3 h 08 min 17 s
